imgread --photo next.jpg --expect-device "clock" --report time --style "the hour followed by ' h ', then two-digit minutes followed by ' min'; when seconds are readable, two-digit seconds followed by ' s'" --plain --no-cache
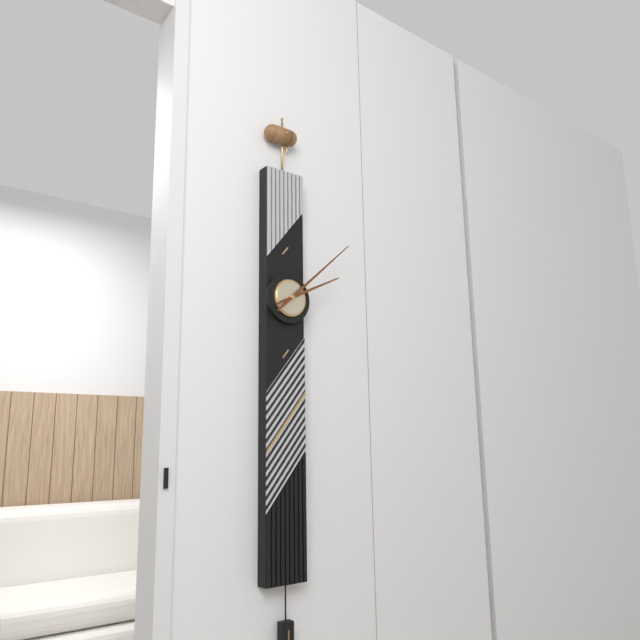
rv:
2 h 08 min
